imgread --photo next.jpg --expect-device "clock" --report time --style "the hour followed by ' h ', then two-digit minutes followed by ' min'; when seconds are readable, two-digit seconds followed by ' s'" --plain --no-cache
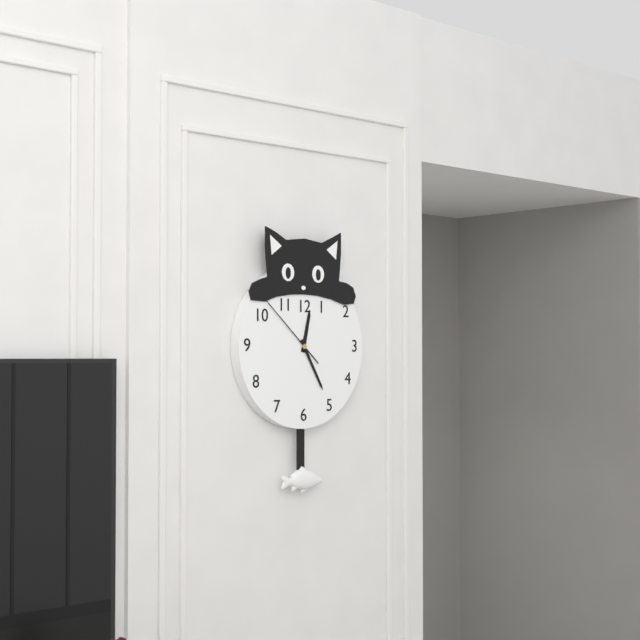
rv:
12 h 25 min 52 s
